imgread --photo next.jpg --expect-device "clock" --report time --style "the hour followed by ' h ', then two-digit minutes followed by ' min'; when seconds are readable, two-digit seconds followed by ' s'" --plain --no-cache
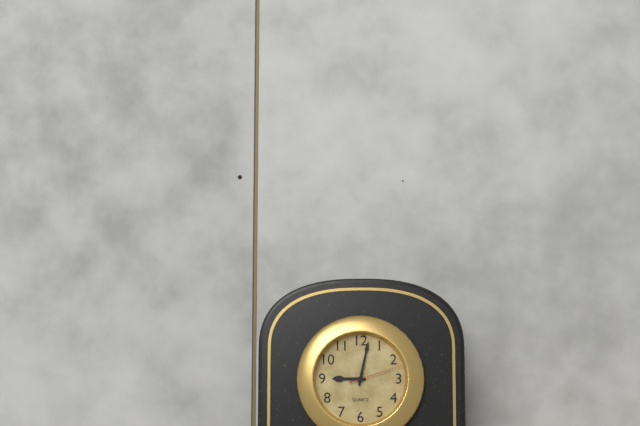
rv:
9 h 02 min 12 s
